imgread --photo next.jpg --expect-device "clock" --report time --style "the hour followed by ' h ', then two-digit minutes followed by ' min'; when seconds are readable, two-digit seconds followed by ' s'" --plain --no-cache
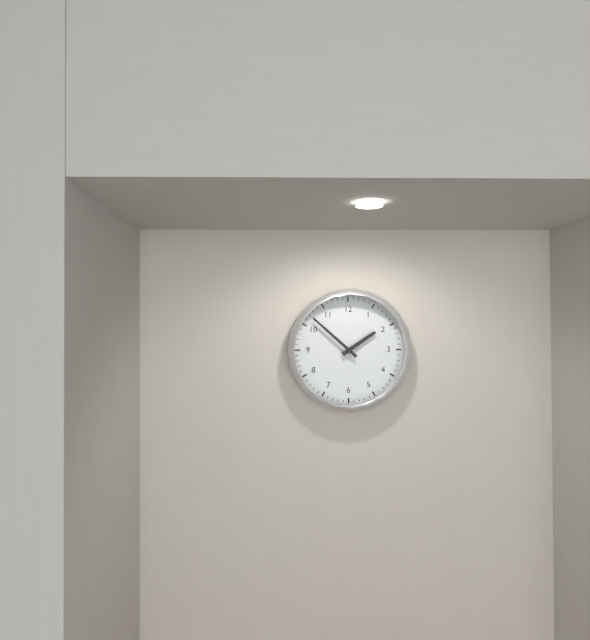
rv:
1 h 52 min
